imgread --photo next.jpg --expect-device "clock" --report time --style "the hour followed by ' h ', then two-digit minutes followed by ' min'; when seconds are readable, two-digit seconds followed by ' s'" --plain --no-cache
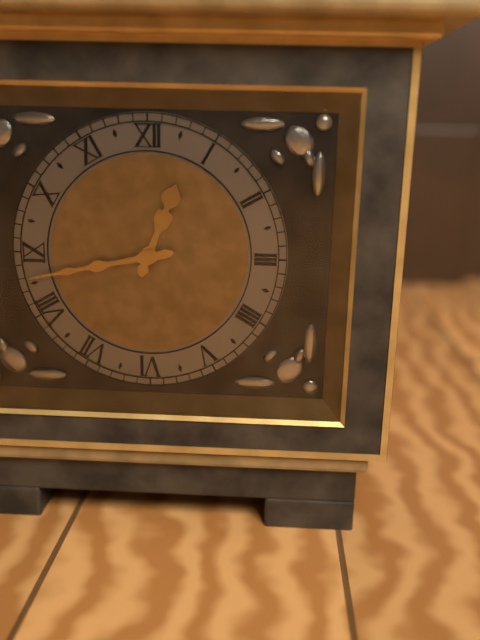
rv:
12 h 43 min
